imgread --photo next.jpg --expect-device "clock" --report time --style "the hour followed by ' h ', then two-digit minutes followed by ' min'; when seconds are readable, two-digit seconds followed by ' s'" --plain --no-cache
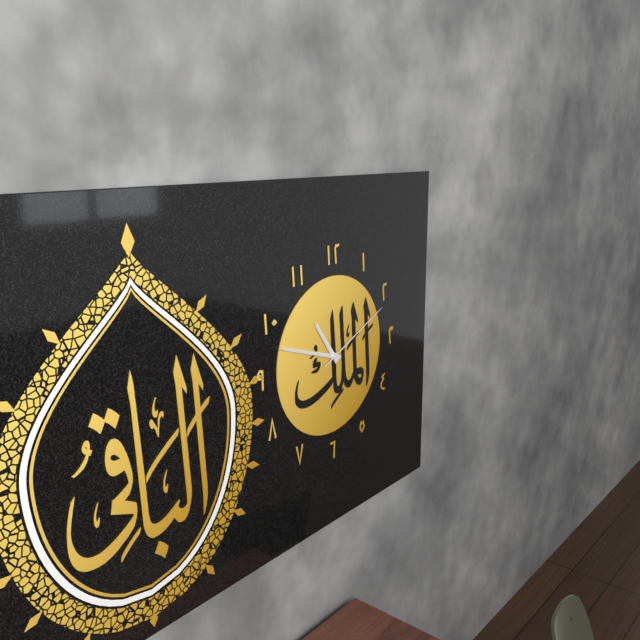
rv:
10 h 48 min 11 s
